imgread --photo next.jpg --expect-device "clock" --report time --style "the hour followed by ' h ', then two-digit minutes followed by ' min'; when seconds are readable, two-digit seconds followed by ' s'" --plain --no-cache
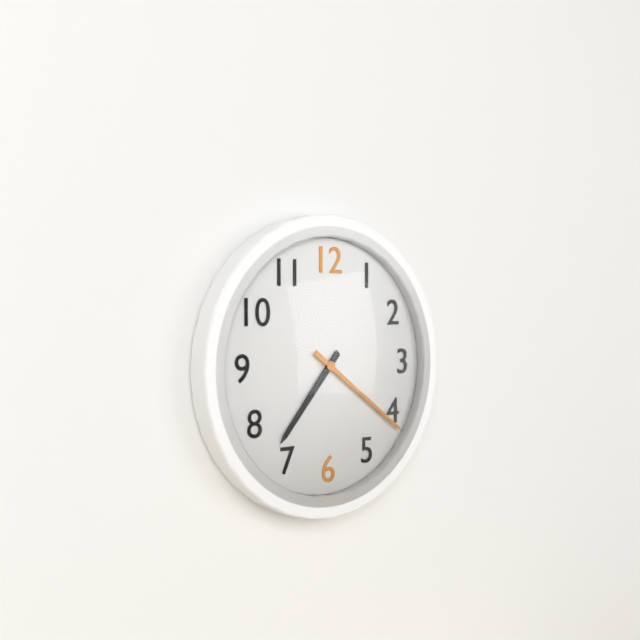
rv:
7 h 21 min
